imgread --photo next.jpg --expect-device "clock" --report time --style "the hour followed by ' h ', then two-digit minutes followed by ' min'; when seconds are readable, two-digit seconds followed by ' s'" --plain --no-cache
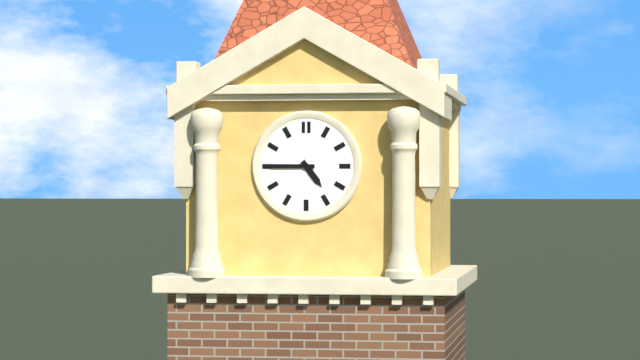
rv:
4 h 45 min
